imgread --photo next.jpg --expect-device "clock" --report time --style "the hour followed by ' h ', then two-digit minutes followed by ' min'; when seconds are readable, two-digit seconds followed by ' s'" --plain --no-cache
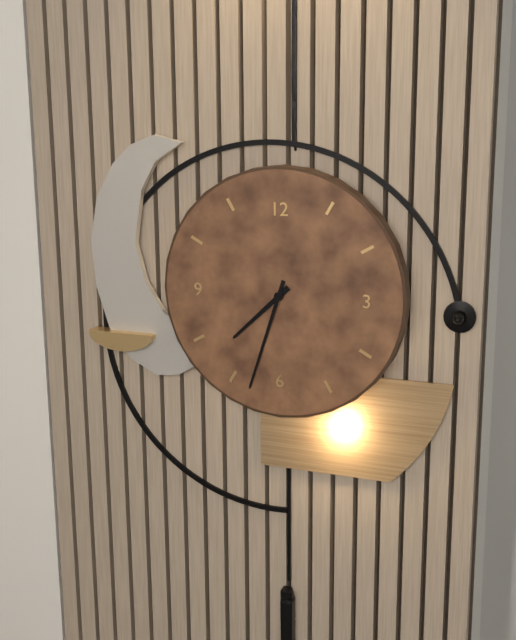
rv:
7 h 33 min
